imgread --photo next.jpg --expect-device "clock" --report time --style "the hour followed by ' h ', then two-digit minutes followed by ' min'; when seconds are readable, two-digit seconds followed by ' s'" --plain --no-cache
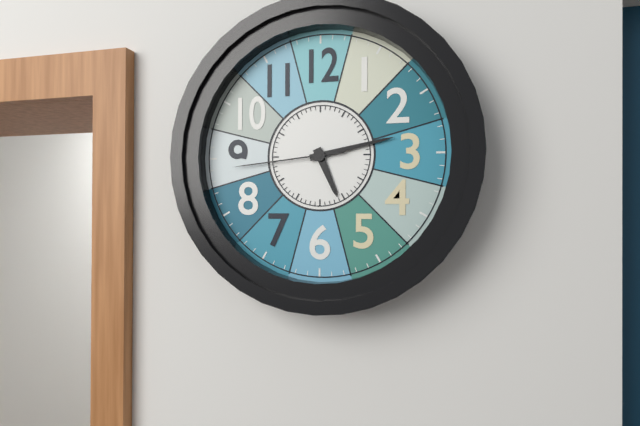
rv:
5 h 13 min 44 s
